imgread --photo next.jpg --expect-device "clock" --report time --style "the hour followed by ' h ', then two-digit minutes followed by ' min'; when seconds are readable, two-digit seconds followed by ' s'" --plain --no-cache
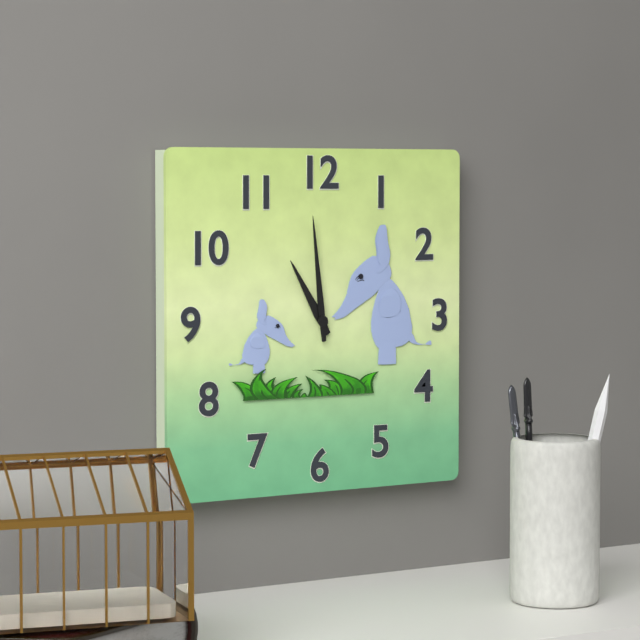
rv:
10 h 59 min
